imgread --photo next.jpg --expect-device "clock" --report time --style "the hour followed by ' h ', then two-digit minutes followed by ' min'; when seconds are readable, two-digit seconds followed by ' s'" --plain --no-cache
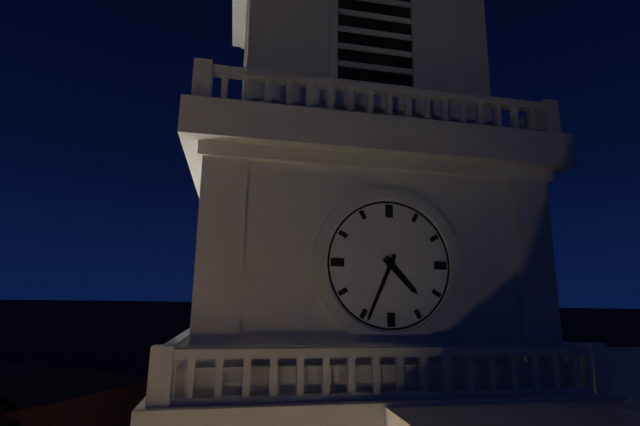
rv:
4 h 34 min
